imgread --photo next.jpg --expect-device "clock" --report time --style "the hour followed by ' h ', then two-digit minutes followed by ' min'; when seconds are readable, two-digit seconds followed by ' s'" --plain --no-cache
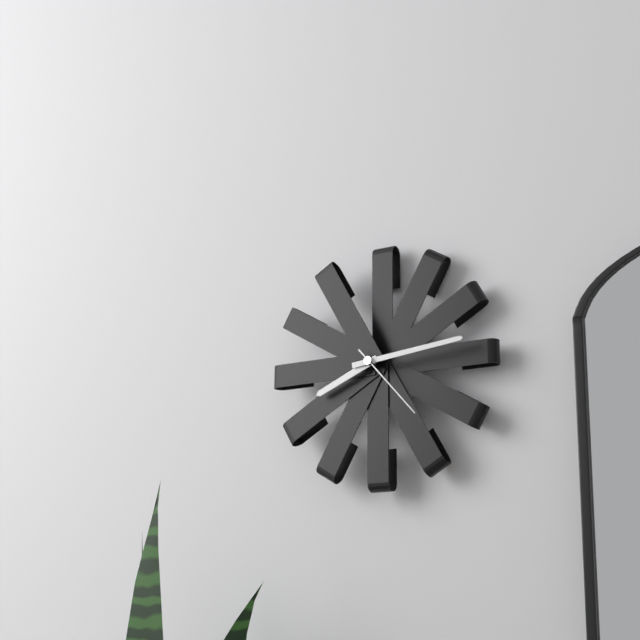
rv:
8 h 14 min 23 s
